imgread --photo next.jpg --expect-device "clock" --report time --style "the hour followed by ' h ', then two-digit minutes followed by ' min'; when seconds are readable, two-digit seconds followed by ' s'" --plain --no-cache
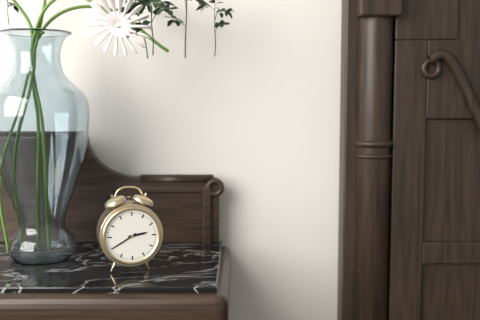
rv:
2 h 40 min
